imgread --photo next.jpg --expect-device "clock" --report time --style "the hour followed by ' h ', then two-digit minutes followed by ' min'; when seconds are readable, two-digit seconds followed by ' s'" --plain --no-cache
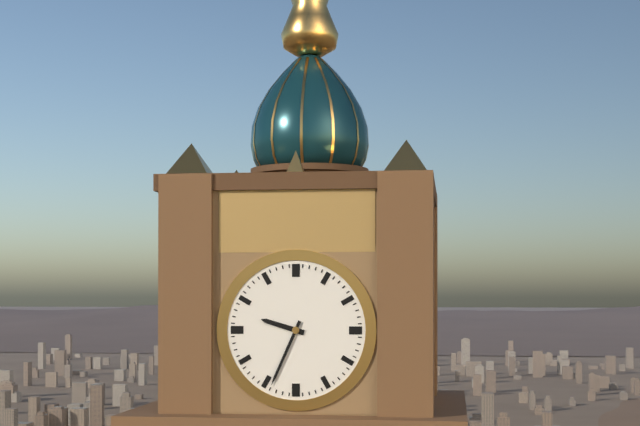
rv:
9 h 34 min
